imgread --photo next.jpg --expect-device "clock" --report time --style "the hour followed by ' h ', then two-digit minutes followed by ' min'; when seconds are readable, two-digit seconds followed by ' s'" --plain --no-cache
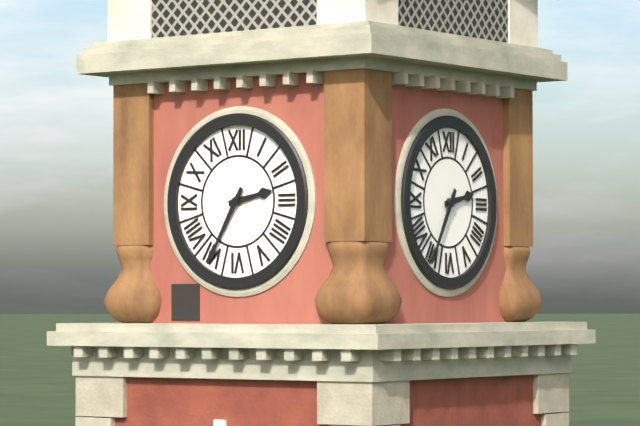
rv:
2 h 35 min
